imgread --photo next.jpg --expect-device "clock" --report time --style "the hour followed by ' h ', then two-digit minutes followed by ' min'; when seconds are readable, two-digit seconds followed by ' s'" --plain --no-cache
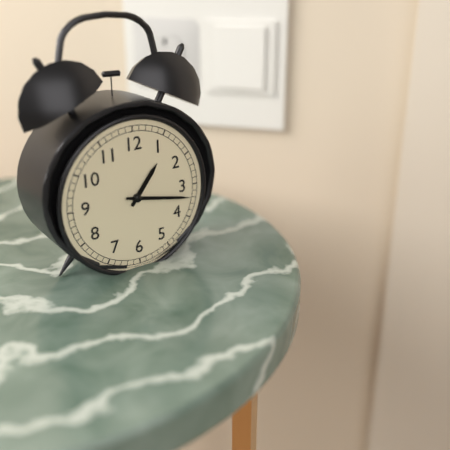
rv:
1 h 17 min
